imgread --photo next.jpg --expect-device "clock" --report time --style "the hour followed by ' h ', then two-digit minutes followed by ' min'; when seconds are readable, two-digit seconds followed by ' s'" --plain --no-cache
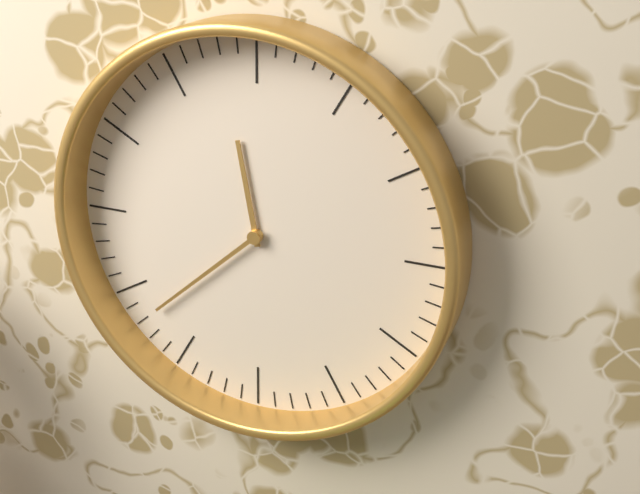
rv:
11 h 38 min
